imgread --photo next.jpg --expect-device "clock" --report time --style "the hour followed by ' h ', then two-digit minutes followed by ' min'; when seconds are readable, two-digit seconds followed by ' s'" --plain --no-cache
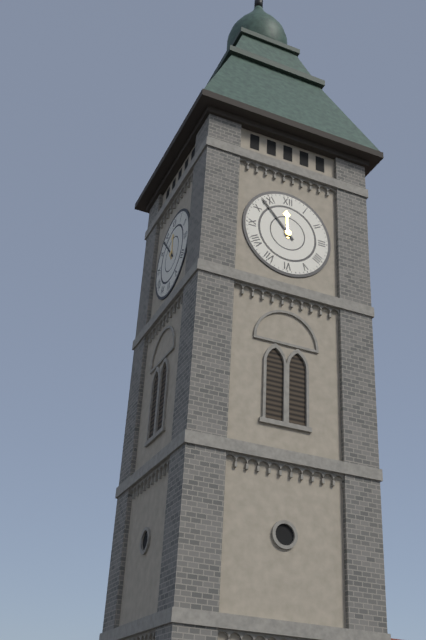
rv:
11 h 53 min
